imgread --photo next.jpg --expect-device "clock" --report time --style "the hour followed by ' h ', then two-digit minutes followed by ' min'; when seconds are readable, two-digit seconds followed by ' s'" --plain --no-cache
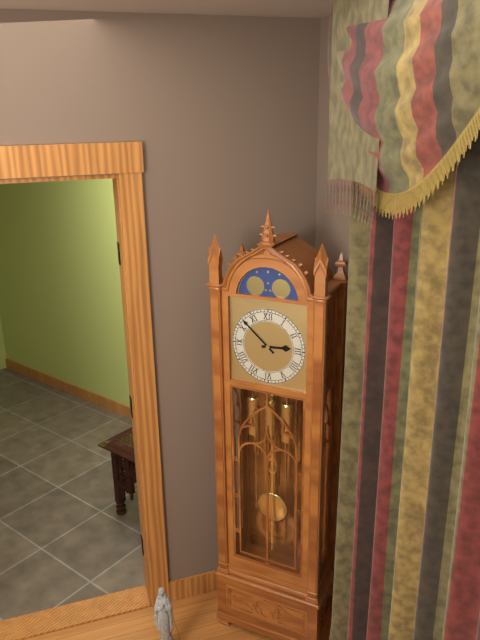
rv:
2 h 52 min
